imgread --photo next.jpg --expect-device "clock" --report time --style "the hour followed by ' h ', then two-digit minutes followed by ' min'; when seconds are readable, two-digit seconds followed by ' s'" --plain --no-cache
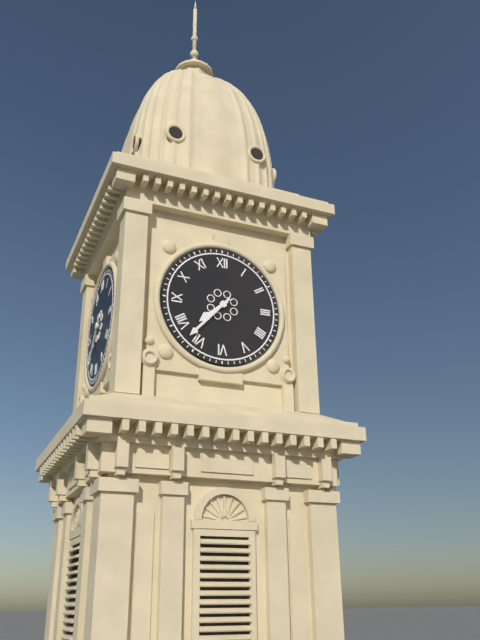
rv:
7 h 37 min
